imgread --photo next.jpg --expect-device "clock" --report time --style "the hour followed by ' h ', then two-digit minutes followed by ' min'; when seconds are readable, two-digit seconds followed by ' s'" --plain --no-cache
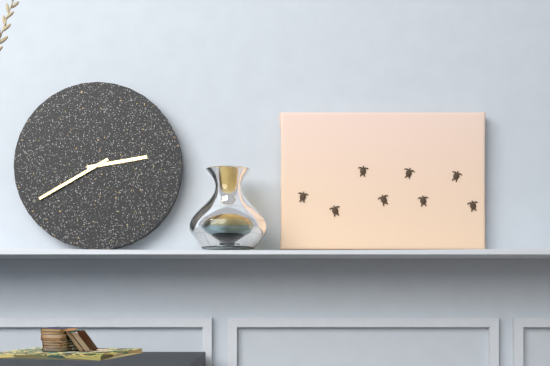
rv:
2 h 40 min
